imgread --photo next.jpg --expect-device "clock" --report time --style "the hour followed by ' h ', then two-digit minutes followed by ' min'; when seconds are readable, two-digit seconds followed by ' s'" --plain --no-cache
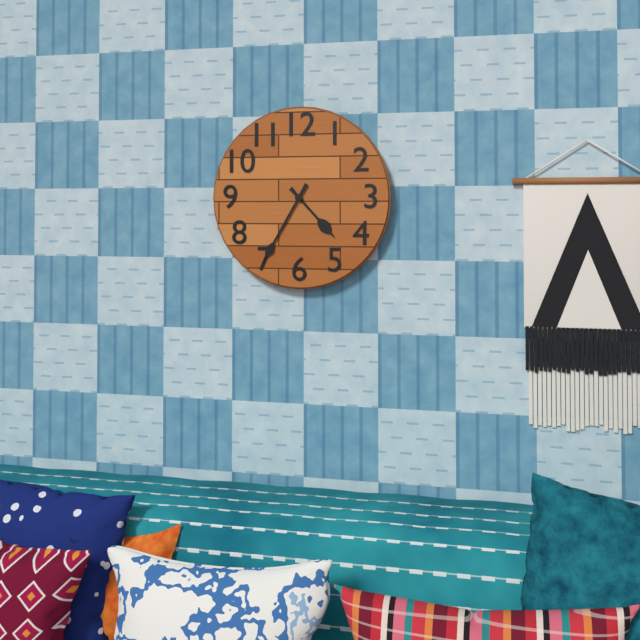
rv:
4 h 35 min
